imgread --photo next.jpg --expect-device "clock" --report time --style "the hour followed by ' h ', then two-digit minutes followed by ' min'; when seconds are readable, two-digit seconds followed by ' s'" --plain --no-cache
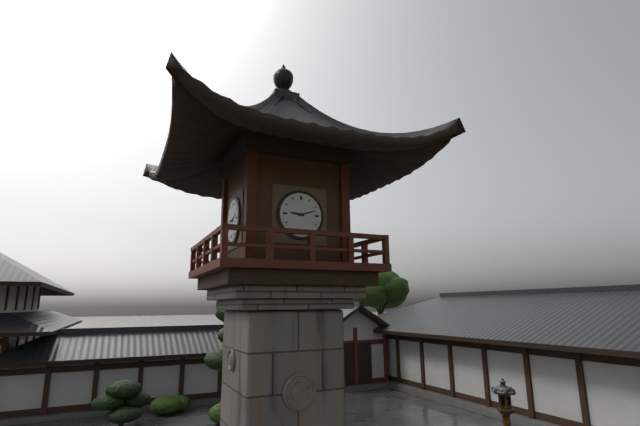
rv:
9 h 12 min
